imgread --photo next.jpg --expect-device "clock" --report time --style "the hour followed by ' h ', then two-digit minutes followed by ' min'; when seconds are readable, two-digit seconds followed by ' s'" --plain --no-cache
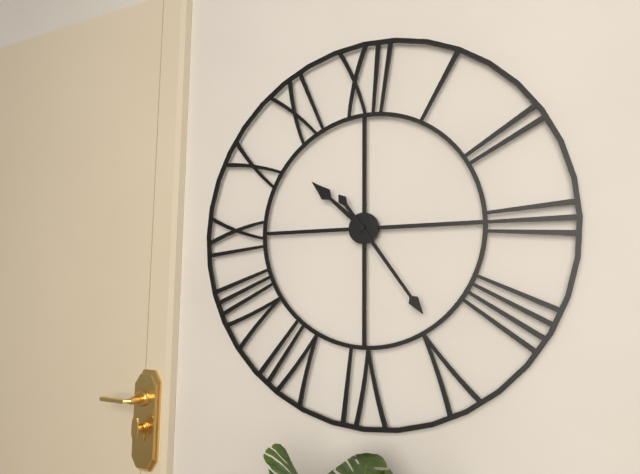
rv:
10 h 24 min
